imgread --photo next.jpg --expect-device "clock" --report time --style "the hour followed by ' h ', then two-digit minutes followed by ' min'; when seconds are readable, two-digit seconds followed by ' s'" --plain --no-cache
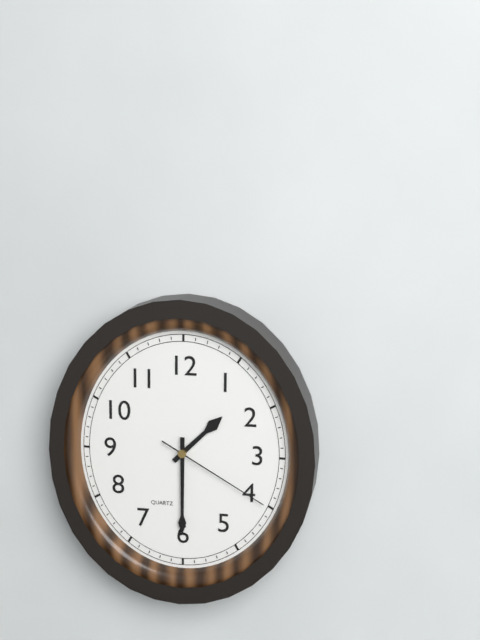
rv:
1 h 30 min 20 s
